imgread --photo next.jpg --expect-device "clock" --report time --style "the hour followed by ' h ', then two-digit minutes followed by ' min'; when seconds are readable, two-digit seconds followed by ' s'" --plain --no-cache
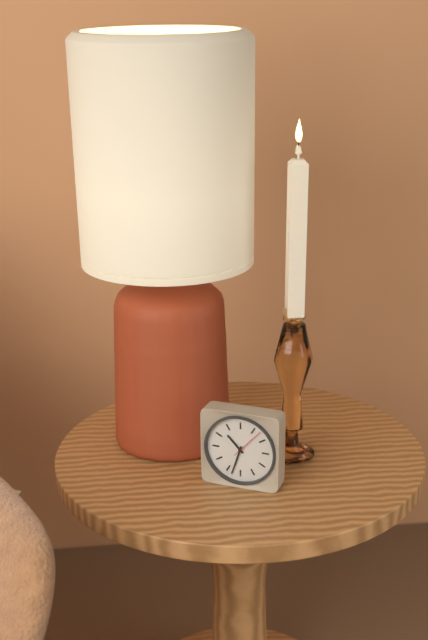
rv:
10 h 33 min
